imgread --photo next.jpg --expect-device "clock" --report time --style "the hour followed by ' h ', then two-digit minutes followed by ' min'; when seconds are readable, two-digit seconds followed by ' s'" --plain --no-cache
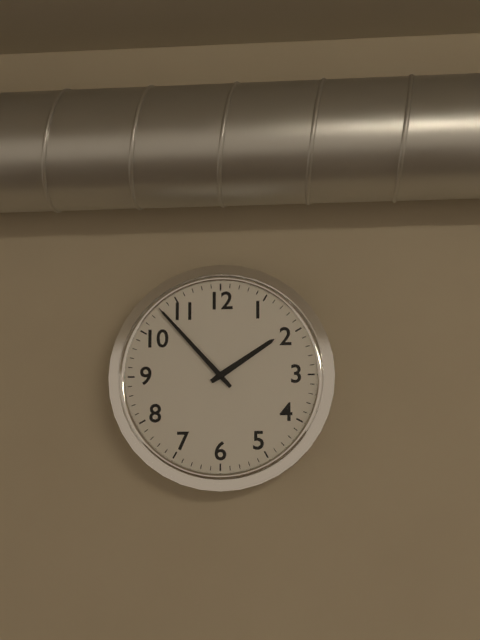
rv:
1 h 53 min
